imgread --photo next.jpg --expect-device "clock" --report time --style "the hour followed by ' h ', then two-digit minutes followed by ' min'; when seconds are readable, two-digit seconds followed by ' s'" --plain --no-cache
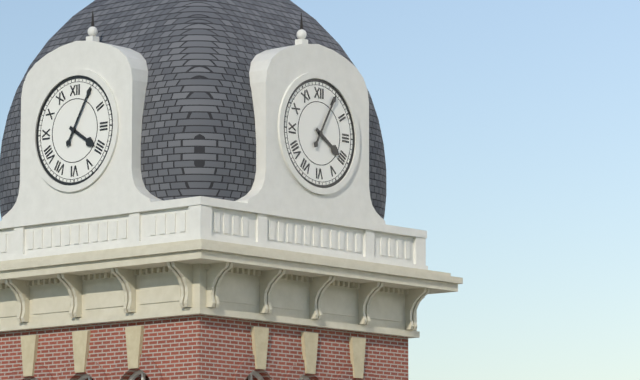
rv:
4 h 05 min
